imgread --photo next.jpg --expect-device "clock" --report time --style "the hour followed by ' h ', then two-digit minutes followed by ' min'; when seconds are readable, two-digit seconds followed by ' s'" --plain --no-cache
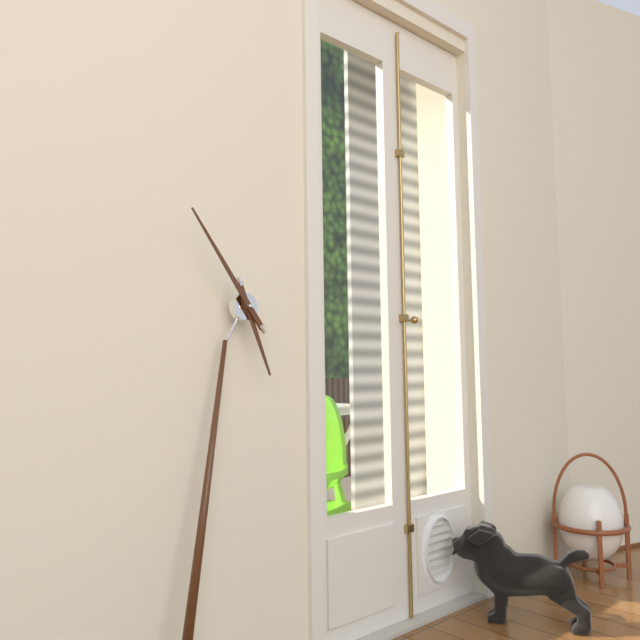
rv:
4 h 52 min
